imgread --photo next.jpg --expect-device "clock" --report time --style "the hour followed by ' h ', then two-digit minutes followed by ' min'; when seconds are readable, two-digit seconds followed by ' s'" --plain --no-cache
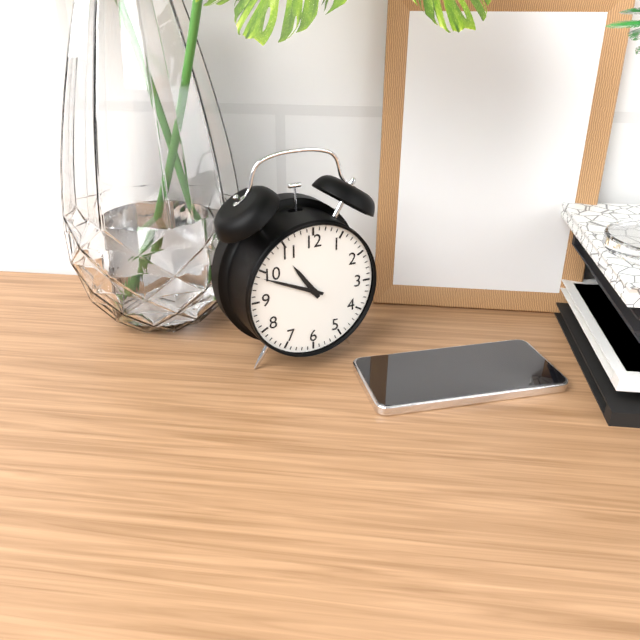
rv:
10 h 49 min
